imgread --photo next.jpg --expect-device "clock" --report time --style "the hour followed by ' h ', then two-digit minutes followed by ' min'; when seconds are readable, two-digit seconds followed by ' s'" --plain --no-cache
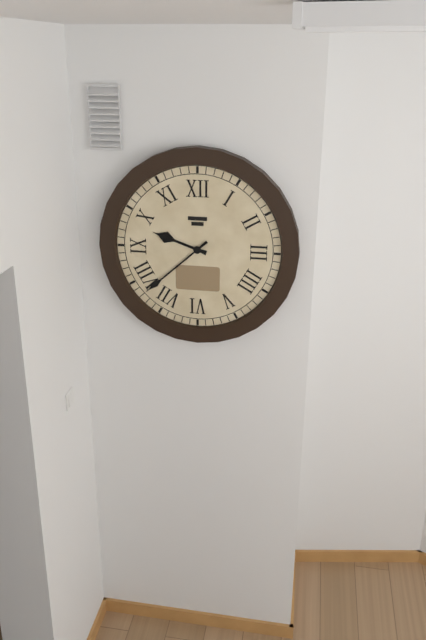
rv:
9 h 38 min
